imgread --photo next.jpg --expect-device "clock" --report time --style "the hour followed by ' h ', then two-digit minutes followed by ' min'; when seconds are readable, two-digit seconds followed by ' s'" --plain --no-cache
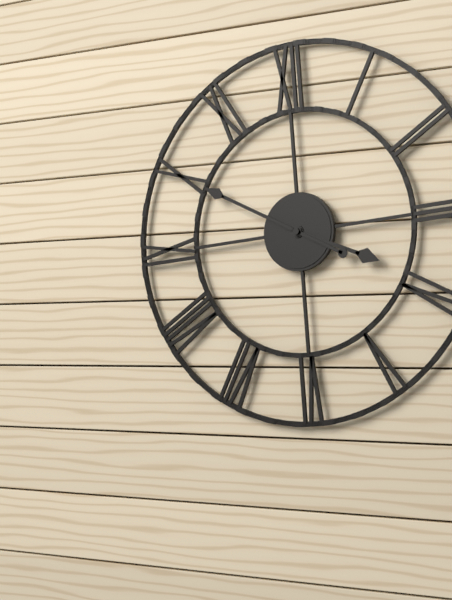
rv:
3 h 50 min
